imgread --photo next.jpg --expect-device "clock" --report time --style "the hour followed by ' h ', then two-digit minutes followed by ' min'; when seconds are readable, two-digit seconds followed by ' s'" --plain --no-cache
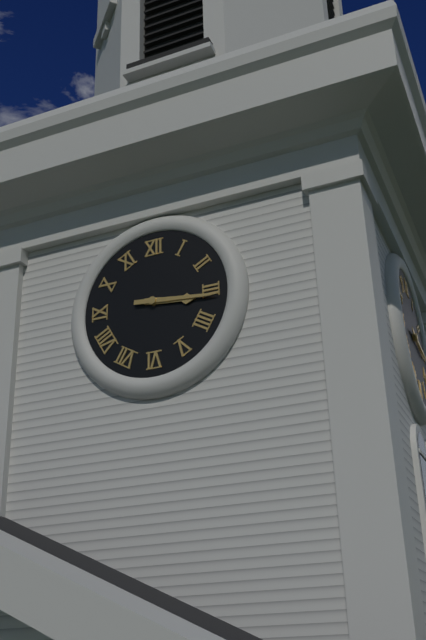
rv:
3 h 16 min
